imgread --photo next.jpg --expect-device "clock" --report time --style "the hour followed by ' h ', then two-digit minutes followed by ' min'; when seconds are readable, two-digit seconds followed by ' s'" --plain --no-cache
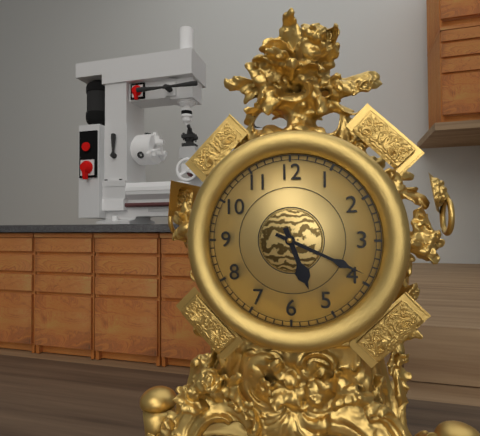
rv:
5 h 19 min
